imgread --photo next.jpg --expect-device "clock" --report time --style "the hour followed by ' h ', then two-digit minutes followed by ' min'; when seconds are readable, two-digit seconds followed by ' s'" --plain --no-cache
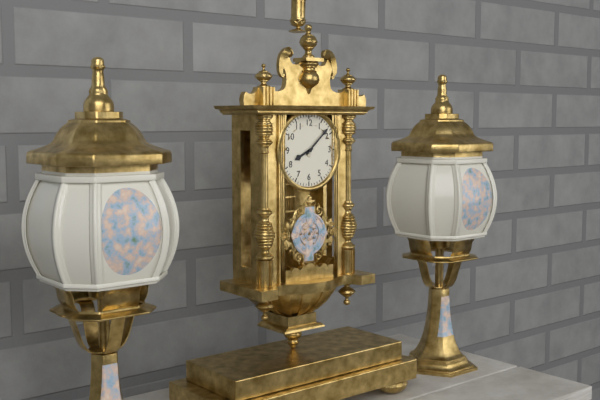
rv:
8 h 08 min
